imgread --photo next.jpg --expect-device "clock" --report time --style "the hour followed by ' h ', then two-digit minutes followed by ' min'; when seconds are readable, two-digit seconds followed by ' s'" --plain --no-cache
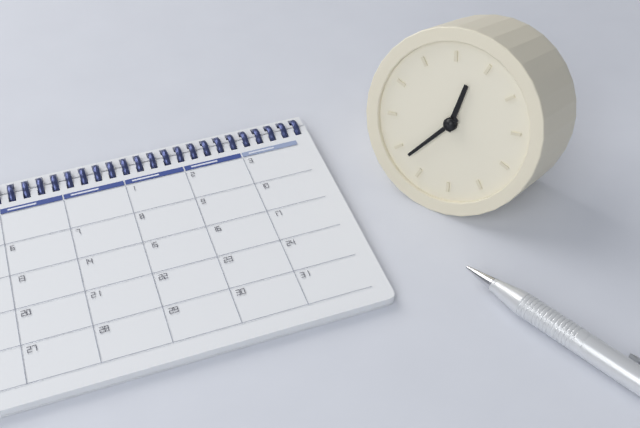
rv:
12 h 38 min
